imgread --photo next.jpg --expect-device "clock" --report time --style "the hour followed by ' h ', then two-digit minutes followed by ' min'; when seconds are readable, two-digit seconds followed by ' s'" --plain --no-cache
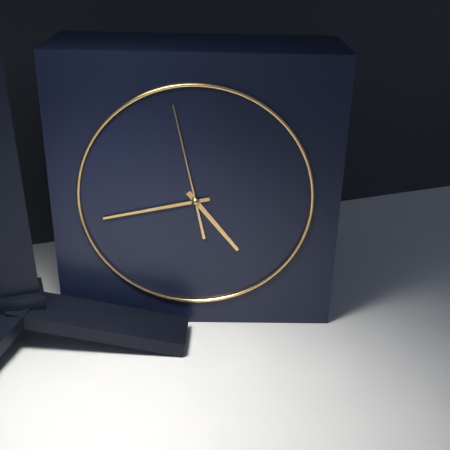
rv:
4 h 43 min 58 s
